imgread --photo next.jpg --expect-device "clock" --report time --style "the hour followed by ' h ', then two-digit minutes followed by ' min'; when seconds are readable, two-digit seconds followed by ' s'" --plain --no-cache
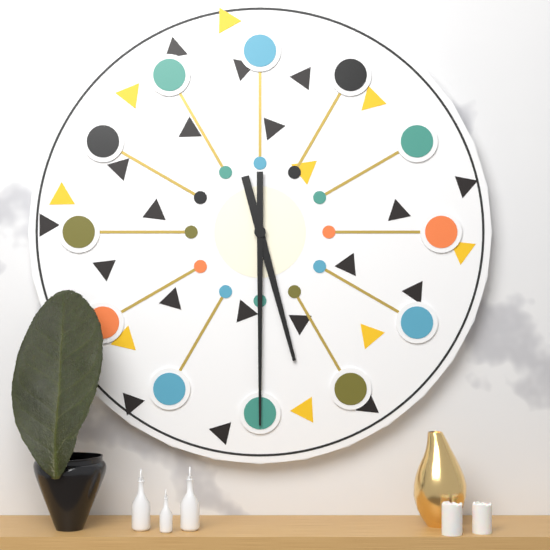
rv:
5 h 30 min
